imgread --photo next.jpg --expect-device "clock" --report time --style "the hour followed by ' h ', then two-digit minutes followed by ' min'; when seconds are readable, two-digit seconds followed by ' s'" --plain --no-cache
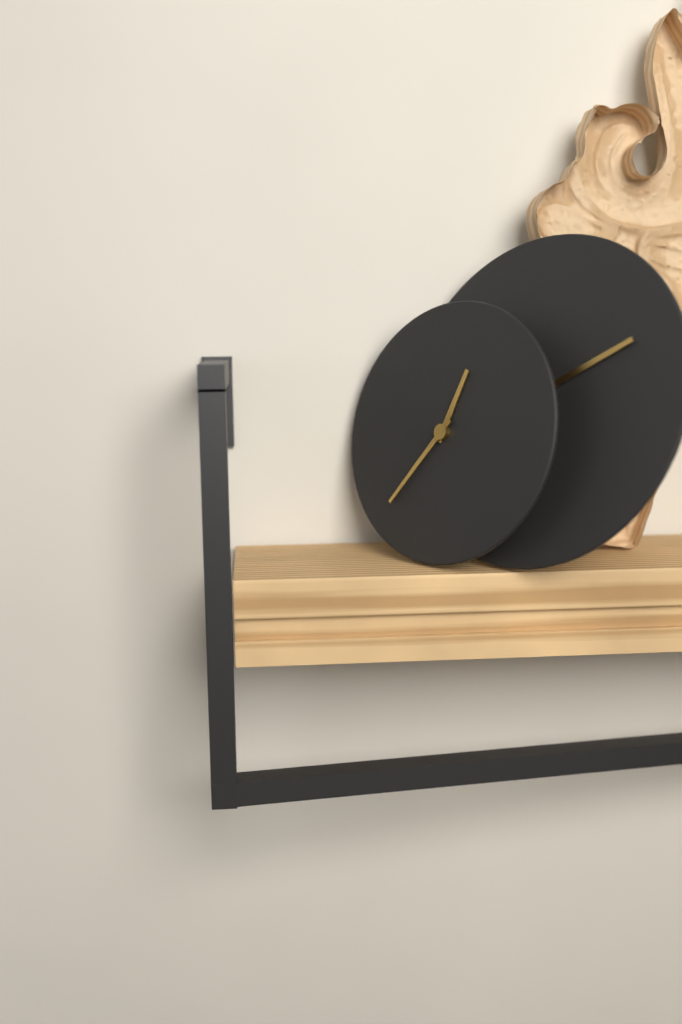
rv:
12 h 36 min
